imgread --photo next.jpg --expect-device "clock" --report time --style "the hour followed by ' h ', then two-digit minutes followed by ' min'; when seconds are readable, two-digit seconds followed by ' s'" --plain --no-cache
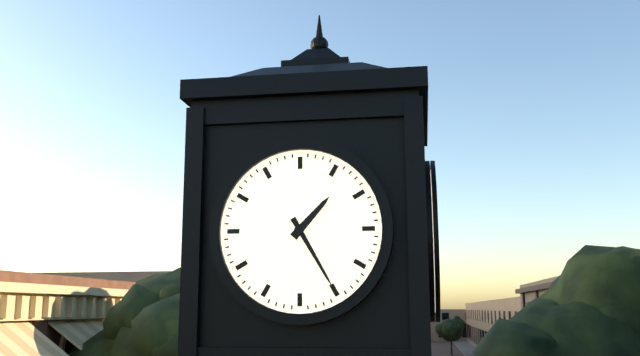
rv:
1 h 25 min
